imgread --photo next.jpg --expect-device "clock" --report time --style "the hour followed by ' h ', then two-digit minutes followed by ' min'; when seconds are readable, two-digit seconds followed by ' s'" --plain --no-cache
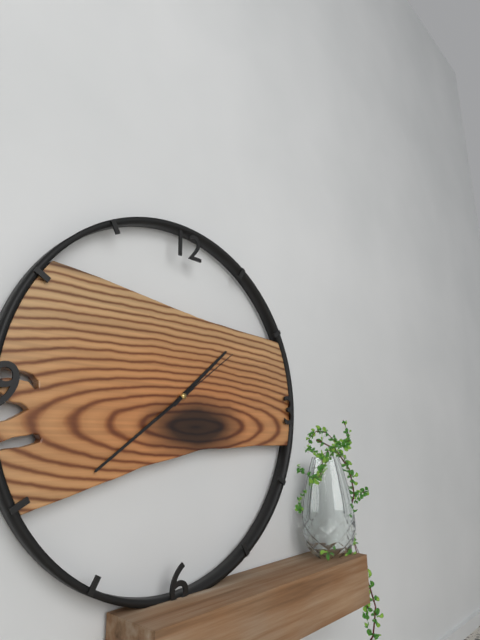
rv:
1 h 39 min 09 s
